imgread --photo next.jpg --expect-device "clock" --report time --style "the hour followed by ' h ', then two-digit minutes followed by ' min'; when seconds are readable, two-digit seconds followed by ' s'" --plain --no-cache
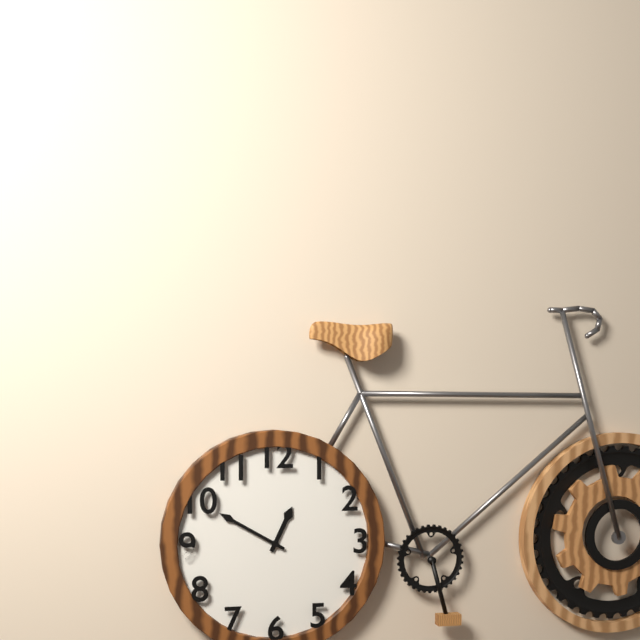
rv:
12 h 50 min
